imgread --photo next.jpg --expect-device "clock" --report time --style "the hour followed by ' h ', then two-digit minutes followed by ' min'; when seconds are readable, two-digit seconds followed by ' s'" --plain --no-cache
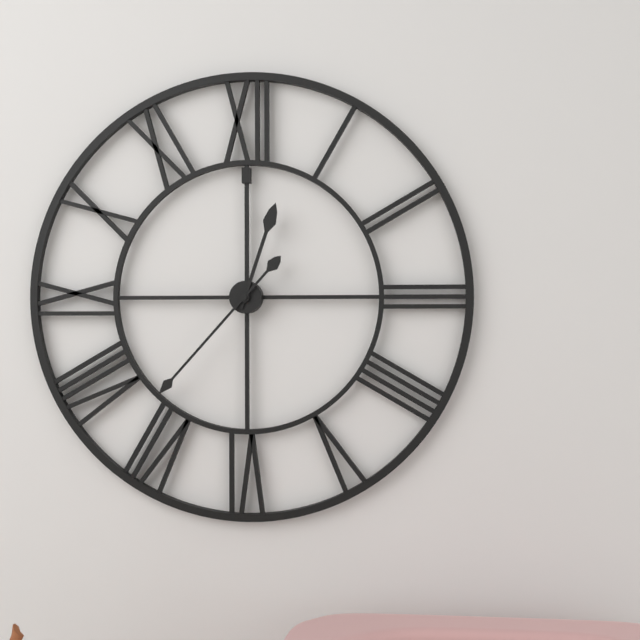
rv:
12 h 37 min
